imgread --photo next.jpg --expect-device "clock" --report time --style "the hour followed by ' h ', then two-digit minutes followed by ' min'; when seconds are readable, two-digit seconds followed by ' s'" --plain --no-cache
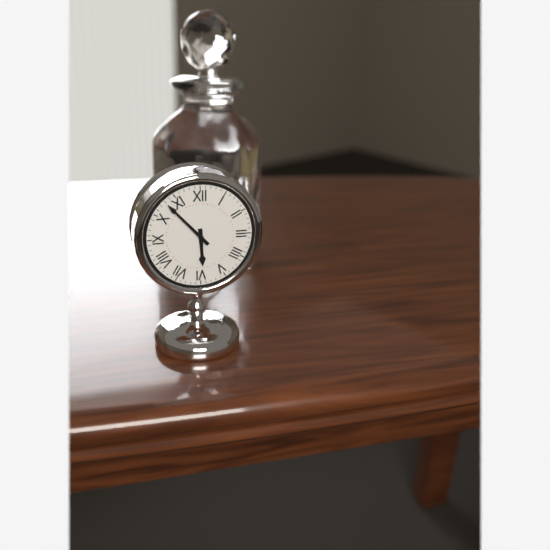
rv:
5 h 53 min
